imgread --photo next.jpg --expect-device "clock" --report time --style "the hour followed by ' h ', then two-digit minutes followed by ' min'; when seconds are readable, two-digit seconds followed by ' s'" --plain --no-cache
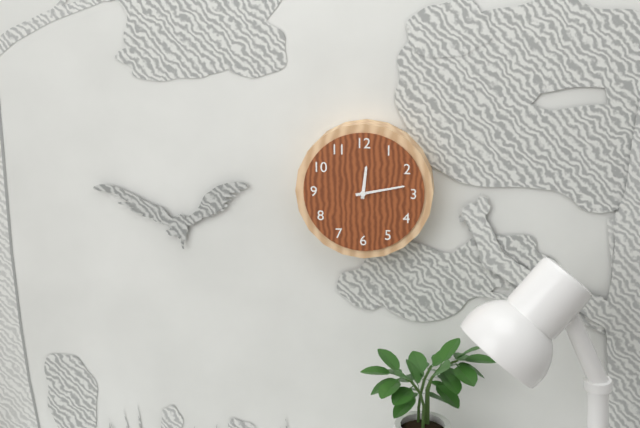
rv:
12 h 13 min
